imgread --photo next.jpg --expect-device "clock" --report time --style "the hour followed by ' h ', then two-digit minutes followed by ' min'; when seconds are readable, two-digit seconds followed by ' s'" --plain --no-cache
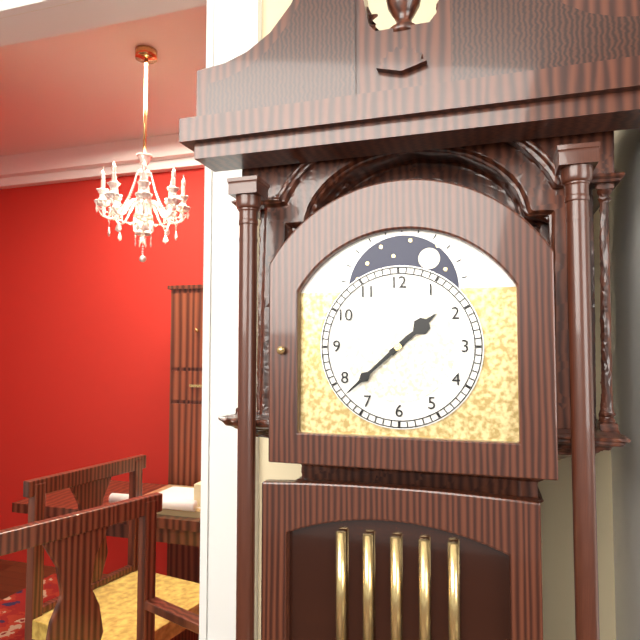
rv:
1 h 38 min
